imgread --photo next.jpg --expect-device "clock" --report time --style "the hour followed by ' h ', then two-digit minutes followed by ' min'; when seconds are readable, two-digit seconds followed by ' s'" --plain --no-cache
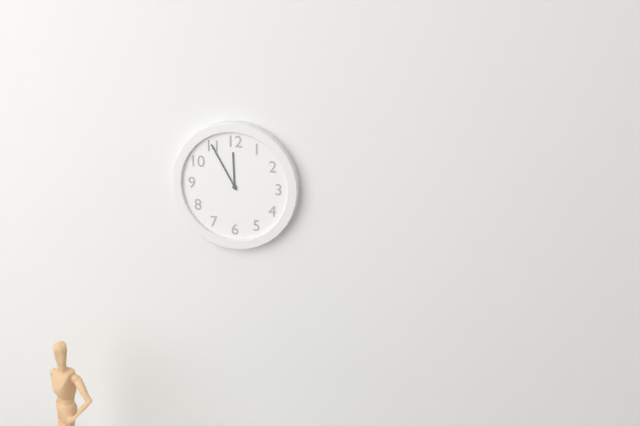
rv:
11 h 55 min
